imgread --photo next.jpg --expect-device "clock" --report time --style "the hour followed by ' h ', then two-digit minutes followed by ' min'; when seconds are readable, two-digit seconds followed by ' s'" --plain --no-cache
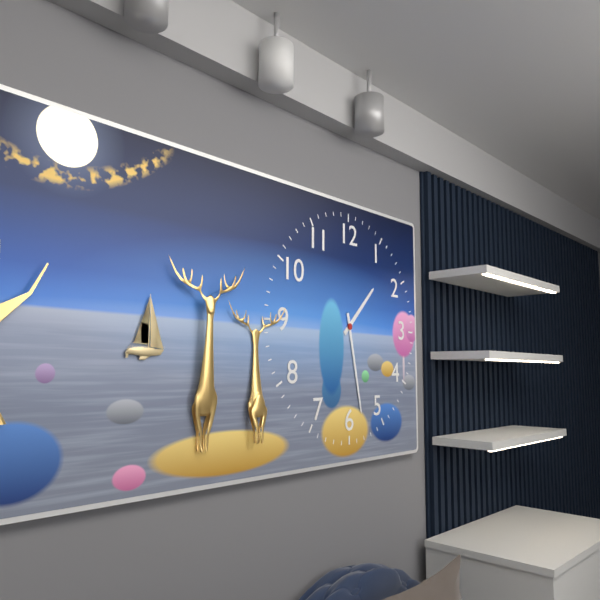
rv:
1 h 28 min
